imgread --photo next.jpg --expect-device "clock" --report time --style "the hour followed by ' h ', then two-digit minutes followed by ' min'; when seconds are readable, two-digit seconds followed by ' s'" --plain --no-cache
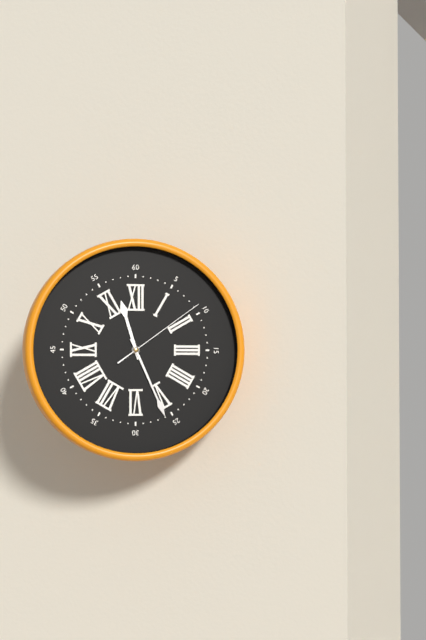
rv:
11 h 26 min 09 s
